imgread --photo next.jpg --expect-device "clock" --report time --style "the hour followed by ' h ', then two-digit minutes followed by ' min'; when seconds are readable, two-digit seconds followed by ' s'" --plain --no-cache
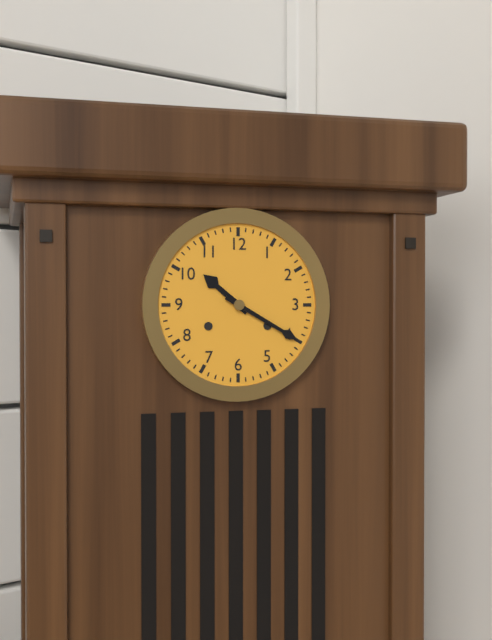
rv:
10 h 20 min
